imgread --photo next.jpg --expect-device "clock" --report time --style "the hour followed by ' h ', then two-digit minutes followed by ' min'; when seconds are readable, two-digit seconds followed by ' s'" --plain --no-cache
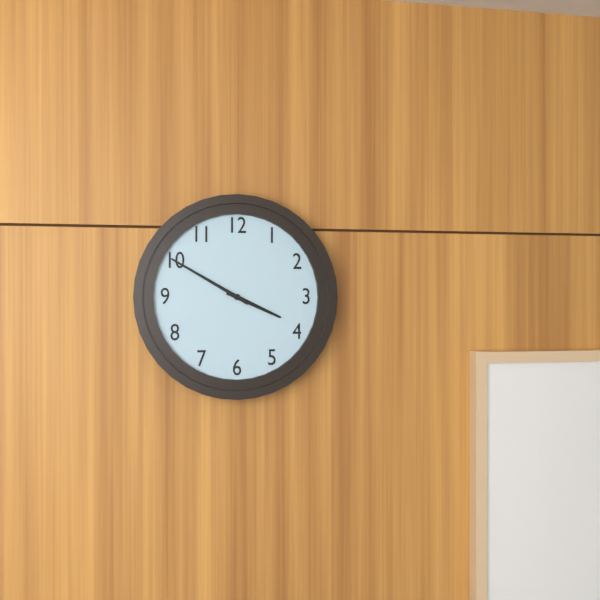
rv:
3 h 50 min
